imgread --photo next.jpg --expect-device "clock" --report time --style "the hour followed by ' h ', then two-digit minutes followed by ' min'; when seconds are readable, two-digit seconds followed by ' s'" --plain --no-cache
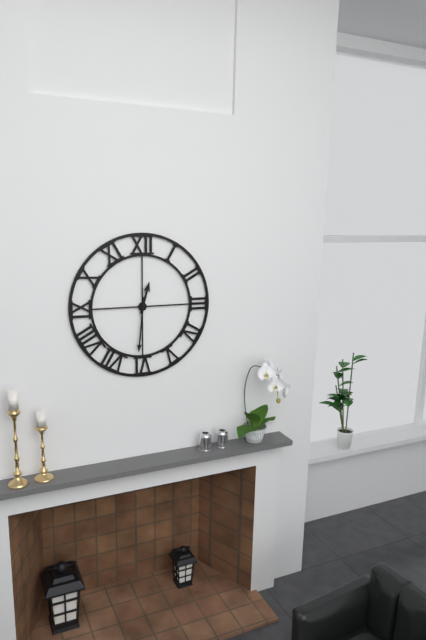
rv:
12 h 31 min
